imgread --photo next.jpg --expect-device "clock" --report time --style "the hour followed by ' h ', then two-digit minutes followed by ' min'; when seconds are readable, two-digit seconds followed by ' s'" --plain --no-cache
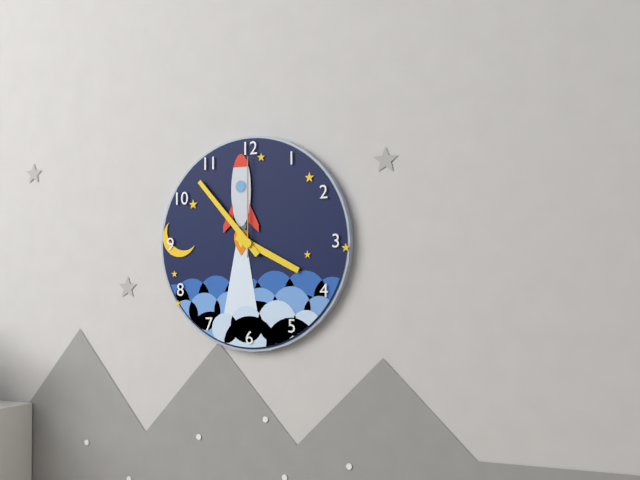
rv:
3 h 53 min 00 s
